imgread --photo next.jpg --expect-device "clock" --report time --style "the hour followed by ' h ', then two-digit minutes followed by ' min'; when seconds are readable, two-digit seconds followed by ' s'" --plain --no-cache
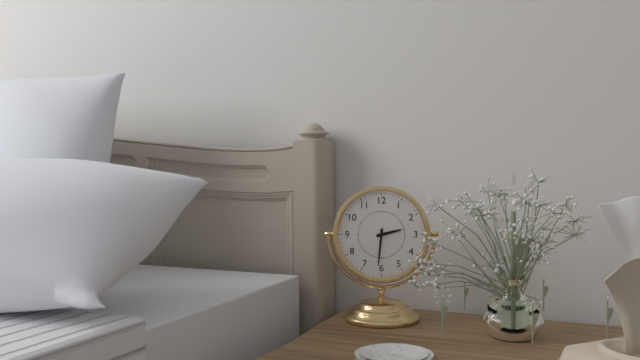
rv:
2 h 31 min
